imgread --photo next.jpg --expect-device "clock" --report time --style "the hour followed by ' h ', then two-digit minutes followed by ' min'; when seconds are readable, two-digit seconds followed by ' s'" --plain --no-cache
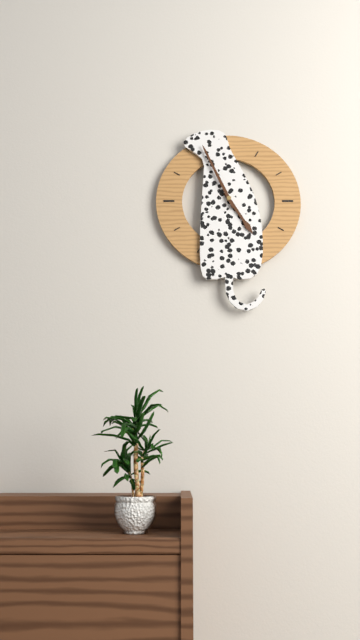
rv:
4 h 56 min
